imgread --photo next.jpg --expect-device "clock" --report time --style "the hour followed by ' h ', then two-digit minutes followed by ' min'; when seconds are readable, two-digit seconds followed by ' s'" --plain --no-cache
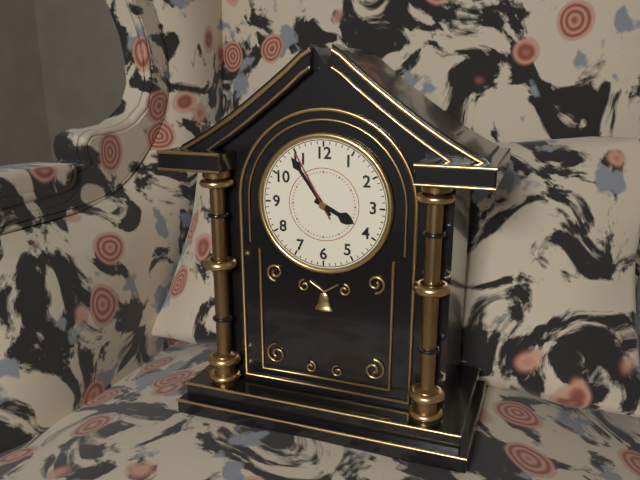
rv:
3 h 54 min 55 s
